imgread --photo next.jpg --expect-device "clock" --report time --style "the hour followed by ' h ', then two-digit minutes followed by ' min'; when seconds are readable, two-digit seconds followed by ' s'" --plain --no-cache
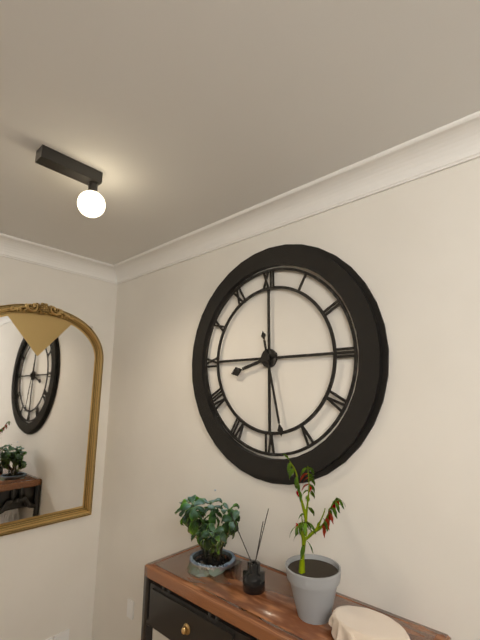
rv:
8 h 28 min
